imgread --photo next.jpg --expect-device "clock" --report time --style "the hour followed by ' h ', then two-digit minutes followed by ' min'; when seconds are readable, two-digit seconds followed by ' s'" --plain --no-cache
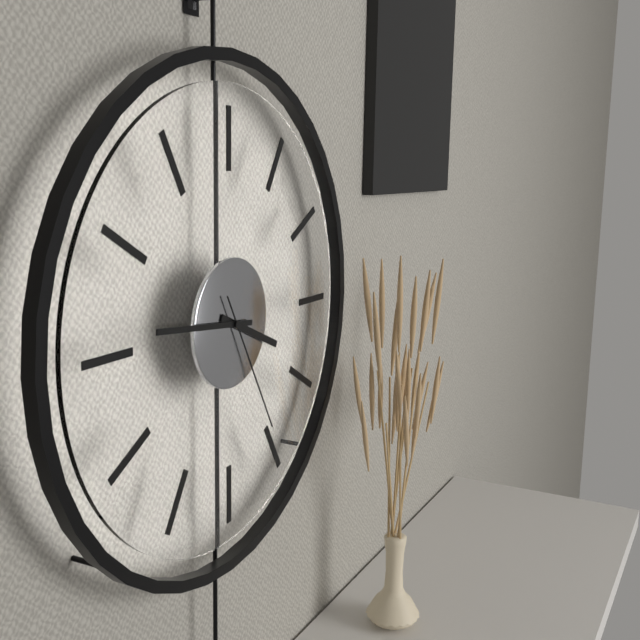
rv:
3 h 46 min 25 s
